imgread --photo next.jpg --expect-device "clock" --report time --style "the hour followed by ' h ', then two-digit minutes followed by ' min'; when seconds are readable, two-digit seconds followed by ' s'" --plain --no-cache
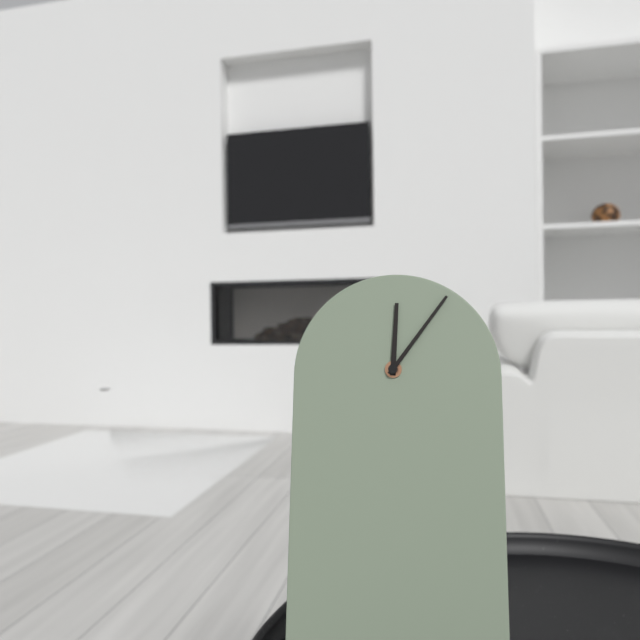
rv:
12 h 06 min
